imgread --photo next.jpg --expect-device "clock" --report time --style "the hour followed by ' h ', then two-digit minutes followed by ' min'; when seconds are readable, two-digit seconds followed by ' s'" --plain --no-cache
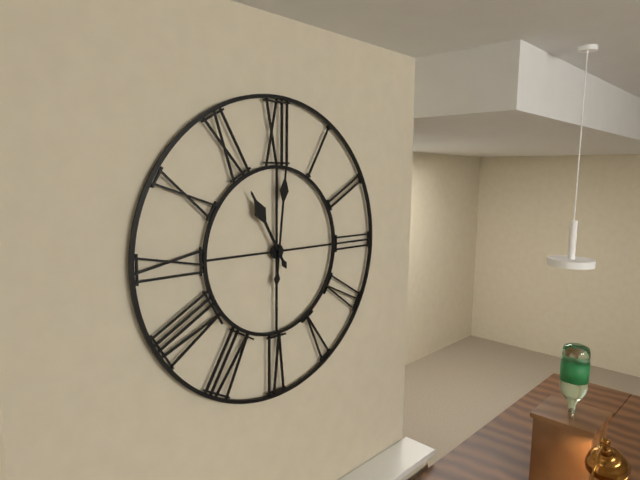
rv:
11 h 01 min
